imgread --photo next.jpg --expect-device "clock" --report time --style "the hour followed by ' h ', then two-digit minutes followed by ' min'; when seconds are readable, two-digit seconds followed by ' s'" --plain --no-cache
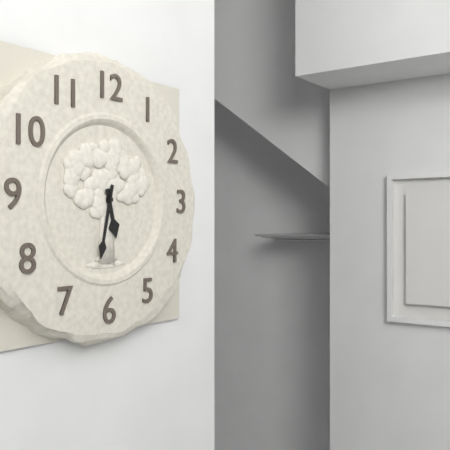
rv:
5 h 32 min
